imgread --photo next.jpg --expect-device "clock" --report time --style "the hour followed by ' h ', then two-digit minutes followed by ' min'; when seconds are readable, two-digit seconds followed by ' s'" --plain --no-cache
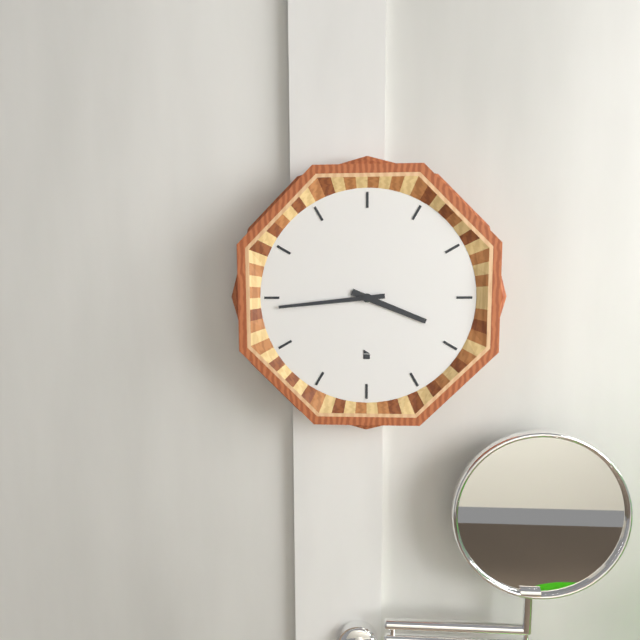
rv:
3 h 44 min
